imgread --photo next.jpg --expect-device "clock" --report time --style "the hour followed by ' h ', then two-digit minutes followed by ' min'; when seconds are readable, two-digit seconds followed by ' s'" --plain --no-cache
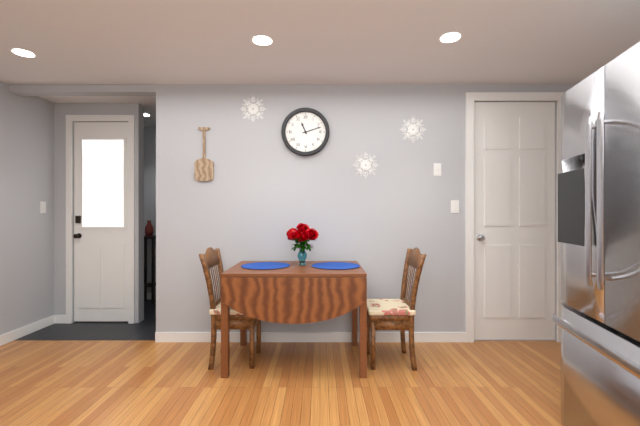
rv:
11 h 12 min
